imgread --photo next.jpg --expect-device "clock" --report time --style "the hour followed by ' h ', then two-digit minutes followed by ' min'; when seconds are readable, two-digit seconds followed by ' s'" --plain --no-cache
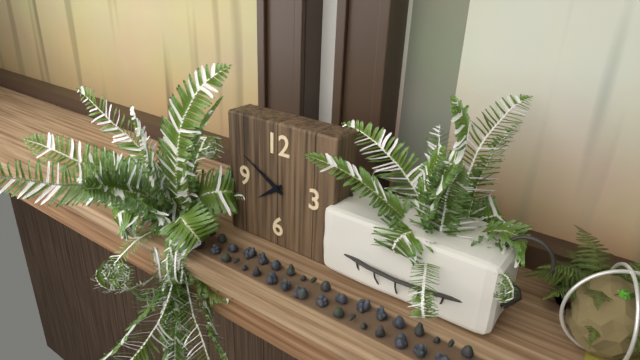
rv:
7 h 50 min
